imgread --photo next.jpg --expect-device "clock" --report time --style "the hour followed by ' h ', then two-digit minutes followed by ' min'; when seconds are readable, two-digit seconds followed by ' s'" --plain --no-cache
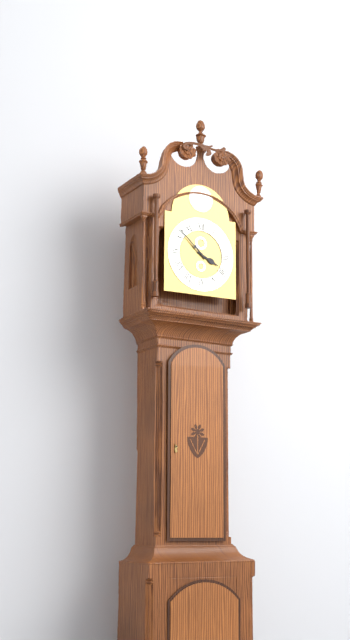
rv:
3 h 52 min
